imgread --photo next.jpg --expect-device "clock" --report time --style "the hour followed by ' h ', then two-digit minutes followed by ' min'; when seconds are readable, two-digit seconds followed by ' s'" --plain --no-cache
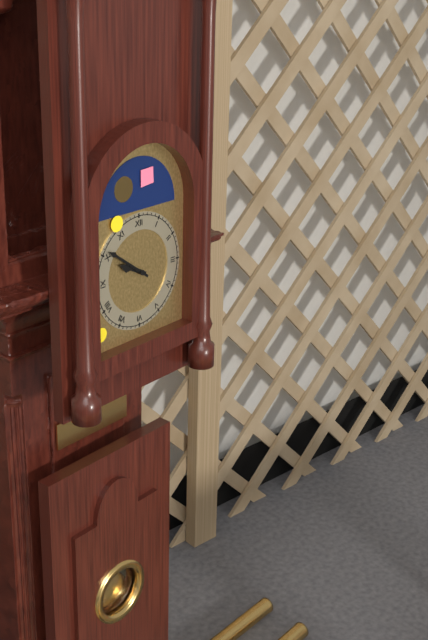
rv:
9 h 51 min
